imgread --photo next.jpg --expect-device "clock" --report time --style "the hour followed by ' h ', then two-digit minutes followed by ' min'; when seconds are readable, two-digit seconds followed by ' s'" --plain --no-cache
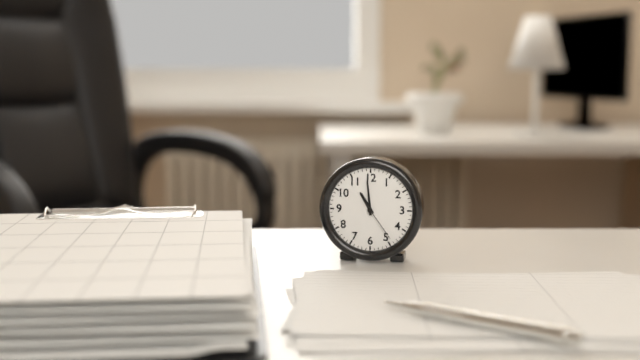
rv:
10 h 59 min
